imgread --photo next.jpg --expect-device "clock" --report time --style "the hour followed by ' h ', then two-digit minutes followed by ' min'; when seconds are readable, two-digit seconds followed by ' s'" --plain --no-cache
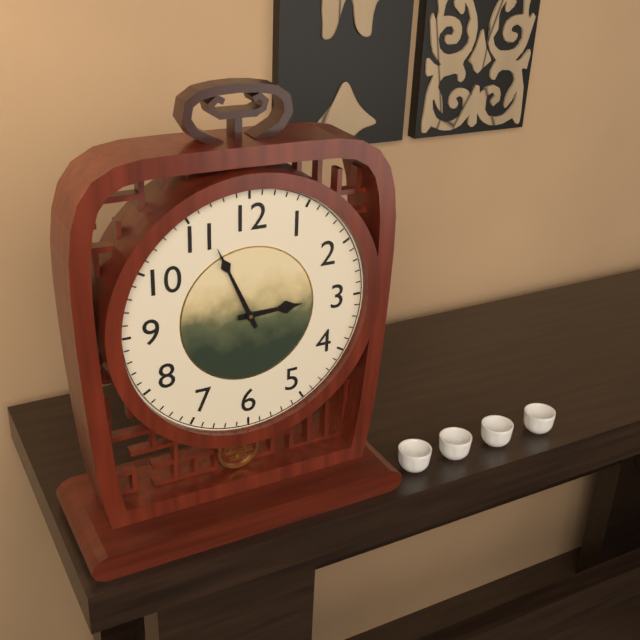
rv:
2 h 56 min
